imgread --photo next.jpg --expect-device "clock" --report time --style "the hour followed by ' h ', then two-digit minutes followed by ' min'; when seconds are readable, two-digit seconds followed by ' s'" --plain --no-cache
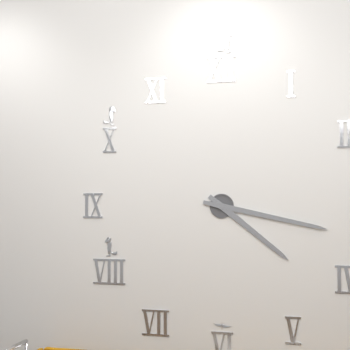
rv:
4 h 17 min
